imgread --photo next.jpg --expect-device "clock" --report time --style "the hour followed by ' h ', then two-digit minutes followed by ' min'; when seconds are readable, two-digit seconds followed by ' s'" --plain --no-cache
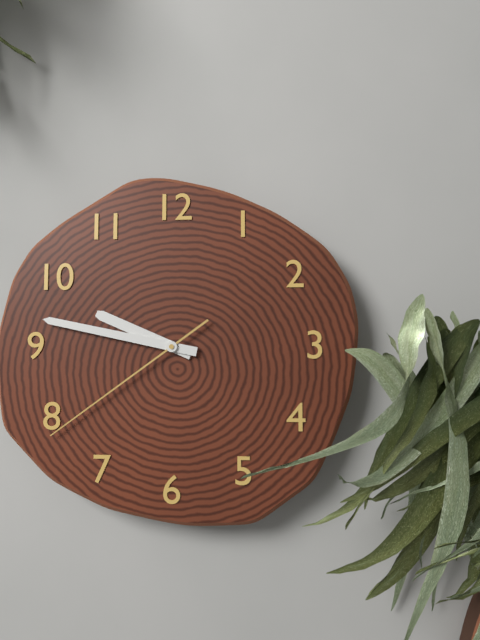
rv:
9 h 47 min 39 s
